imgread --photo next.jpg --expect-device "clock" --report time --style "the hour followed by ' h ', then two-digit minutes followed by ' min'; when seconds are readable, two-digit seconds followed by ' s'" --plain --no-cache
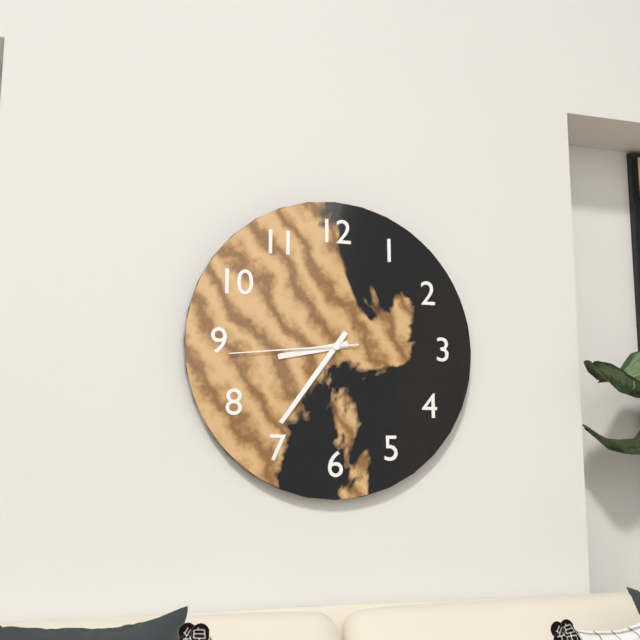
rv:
8 h 36 min 44 s
